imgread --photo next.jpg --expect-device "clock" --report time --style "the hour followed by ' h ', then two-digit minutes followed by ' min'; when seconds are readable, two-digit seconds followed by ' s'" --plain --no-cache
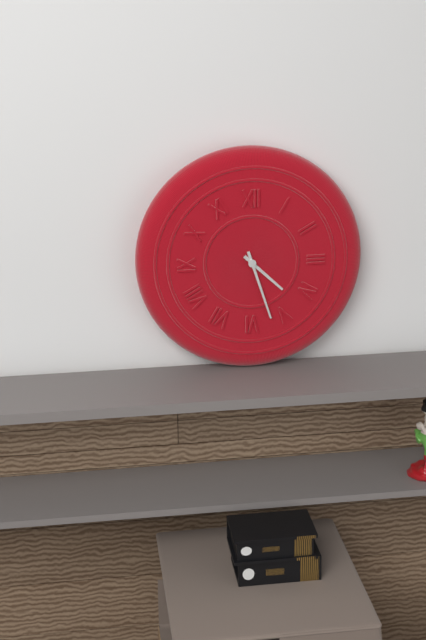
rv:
4 h 27 min
